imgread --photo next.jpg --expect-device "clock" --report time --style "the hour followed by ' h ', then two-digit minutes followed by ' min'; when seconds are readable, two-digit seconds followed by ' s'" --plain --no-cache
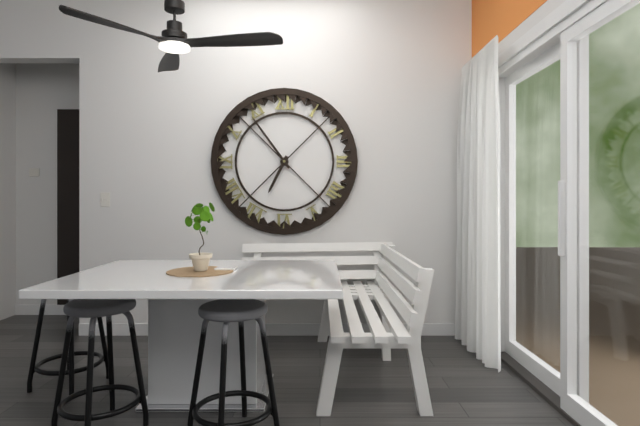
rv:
6 h 54 min
